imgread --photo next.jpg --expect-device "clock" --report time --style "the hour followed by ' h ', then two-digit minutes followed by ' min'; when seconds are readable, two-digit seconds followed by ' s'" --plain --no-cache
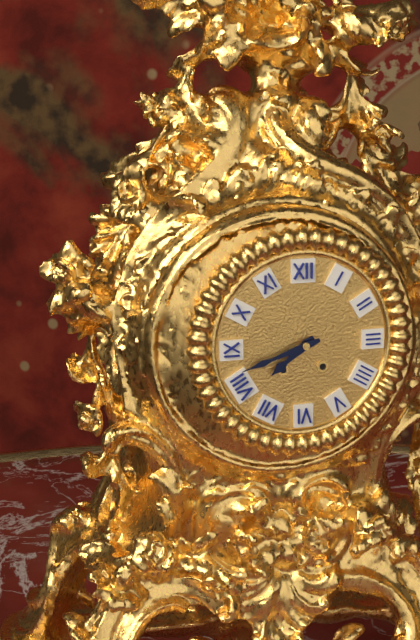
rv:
7 h 42 min
